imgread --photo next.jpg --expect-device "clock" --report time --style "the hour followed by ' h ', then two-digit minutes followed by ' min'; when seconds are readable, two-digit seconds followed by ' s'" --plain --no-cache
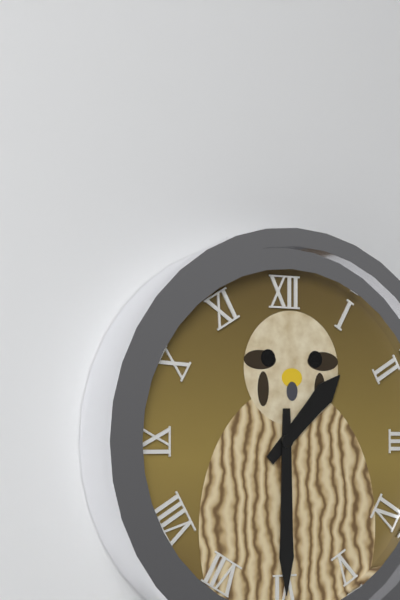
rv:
1 h 30 min
